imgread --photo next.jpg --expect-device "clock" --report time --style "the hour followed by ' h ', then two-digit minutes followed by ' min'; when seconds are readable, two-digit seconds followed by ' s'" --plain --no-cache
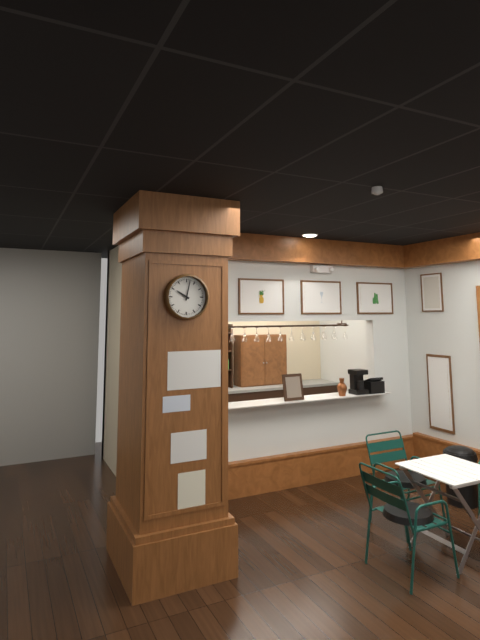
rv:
10 h 02 min
